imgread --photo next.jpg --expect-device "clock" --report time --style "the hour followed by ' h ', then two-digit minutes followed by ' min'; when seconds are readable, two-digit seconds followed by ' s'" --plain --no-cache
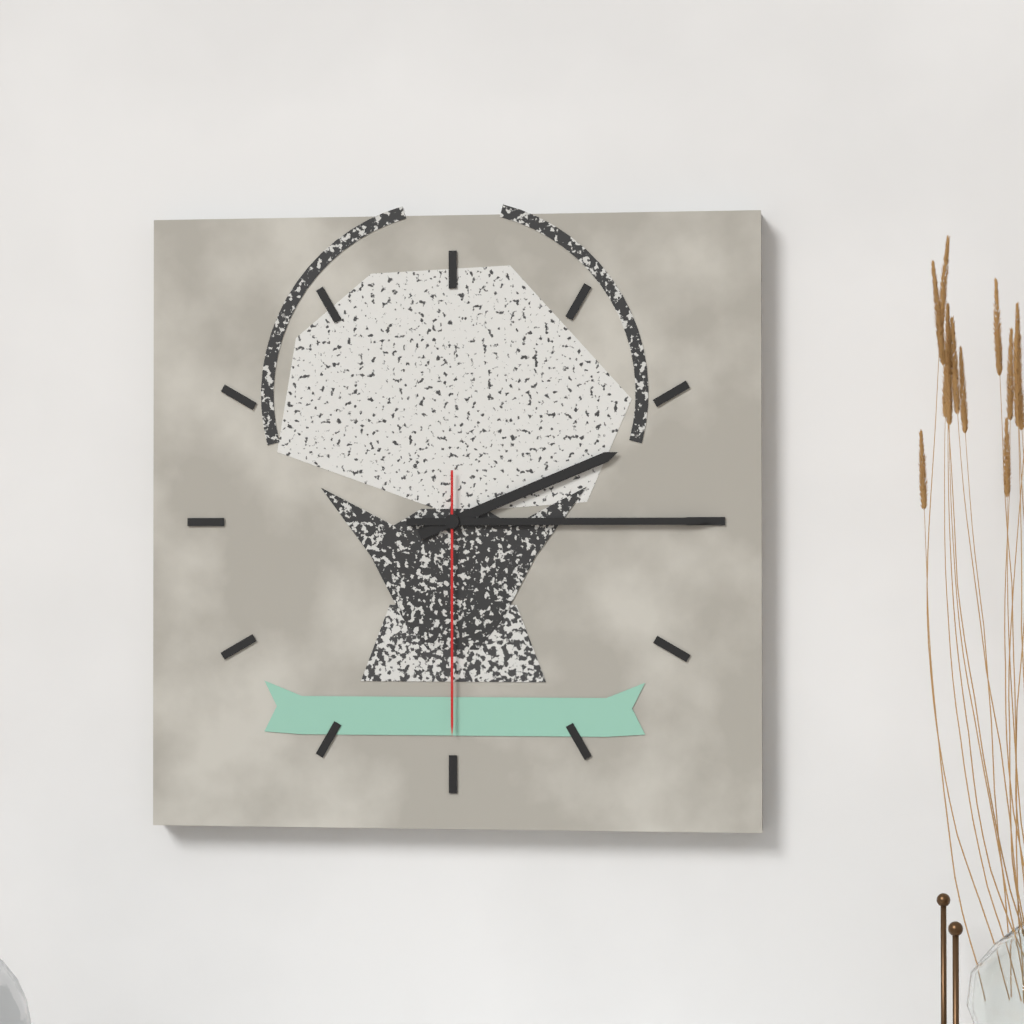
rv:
2 h 15 min 30 s
